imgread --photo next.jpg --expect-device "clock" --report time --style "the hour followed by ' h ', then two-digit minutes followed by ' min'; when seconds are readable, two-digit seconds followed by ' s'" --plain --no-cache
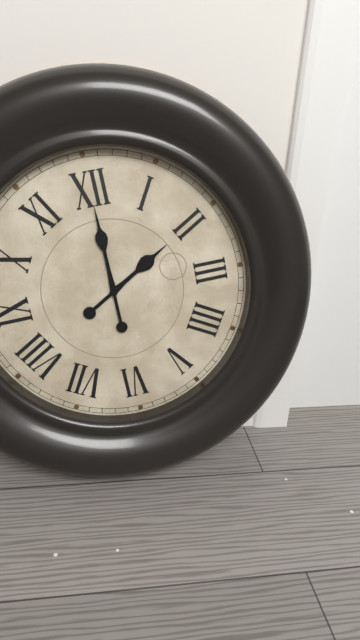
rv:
2 h 00 min
